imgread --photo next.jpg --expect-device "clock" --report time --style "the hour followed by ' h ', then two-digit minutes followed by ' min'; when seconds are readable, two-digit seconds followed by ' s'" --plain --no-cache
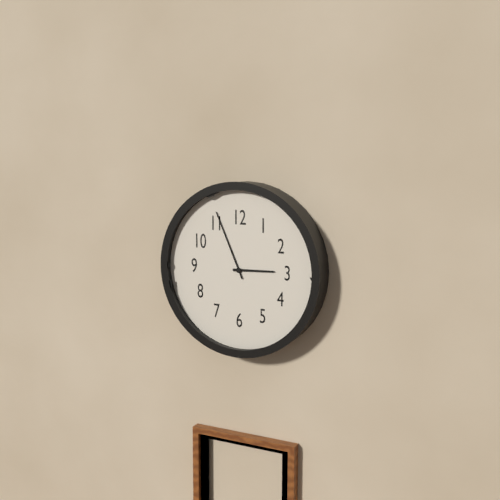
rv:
2 h 56 min
